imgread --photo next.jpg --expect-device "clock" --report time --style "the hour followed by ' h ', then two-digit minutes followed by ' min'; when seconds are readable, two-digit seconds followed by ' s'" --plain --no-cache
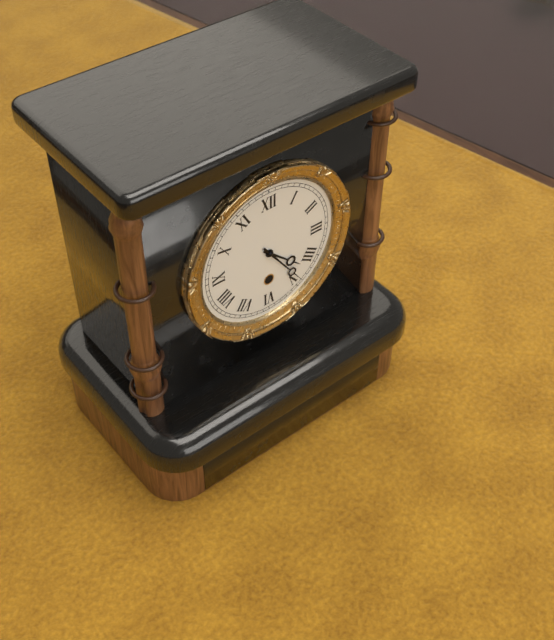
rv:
4 h 24 min
